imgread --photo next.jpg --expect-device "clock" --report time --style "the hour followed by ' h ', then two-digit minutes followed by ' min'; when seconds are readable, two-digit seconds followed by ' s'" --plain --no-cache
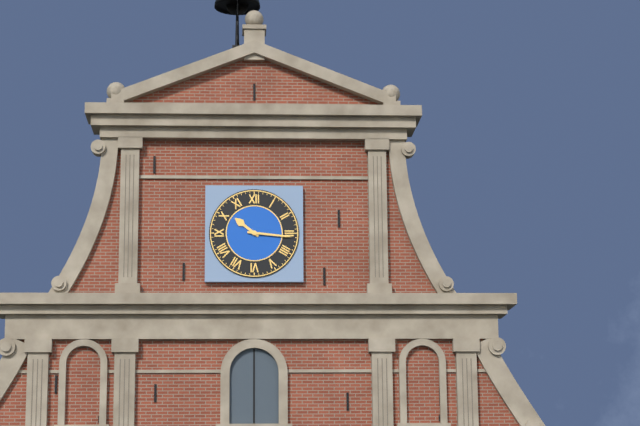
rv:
10 h 16 min
